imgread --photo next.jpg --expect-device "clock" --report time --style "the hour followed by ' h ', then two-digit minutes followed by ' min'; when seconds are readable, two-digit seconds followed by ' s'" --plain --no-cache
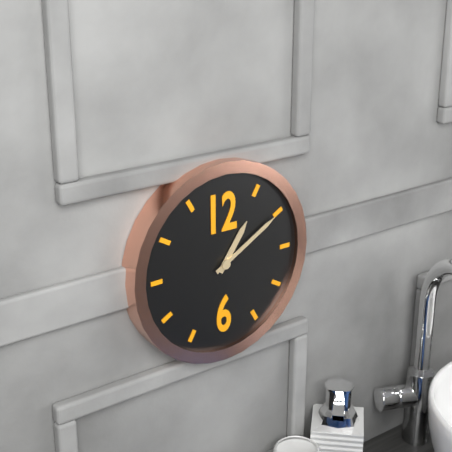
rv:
1 h 10 min
